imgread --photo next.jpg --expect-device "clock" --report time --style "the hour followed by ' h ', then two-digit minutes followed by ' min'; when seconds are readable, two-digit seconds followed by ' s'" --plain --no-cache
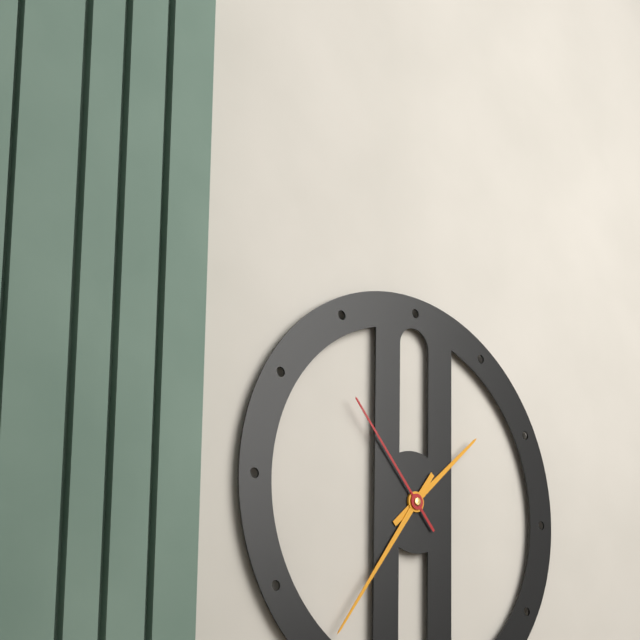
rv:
1 h 36 min 53 s
